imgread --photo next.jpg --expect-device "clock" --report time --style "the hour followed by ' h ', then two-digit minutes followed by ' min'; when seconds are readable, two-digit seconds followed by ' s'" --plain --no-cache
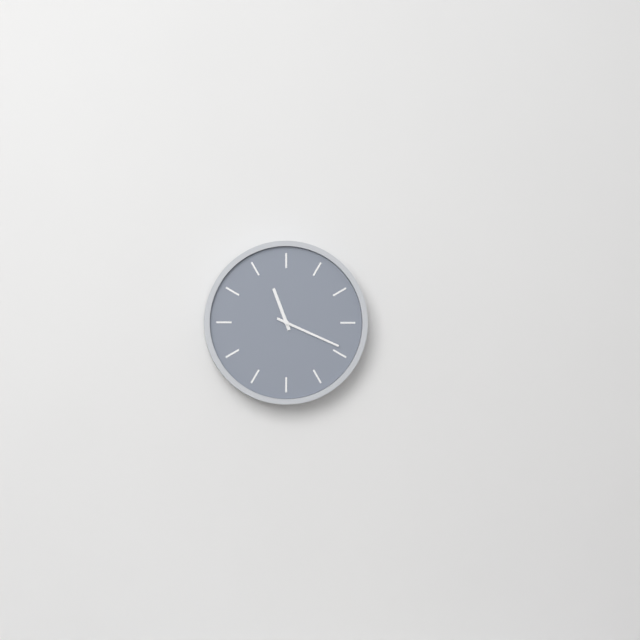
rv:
11 h 19 min
